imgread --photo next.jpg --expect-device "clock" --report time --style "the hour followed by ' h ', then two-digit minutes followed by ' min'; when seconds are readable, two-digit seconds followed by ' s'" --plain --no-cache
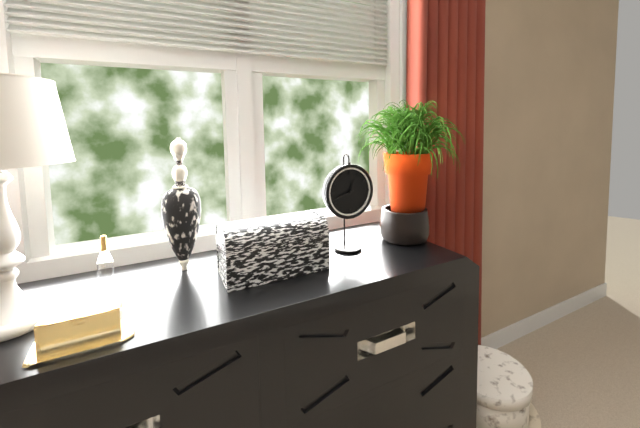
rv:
12 h 42 min
